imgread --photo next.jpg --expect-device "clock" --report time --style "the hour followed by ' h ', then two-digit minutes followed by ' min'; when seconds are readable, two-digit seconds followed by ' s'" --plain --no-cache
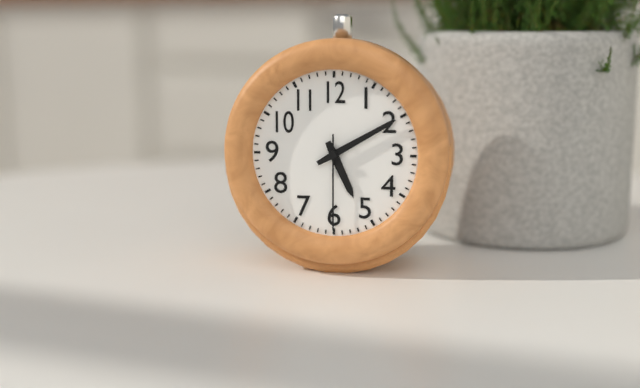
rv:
5 h 10 min 30 s
